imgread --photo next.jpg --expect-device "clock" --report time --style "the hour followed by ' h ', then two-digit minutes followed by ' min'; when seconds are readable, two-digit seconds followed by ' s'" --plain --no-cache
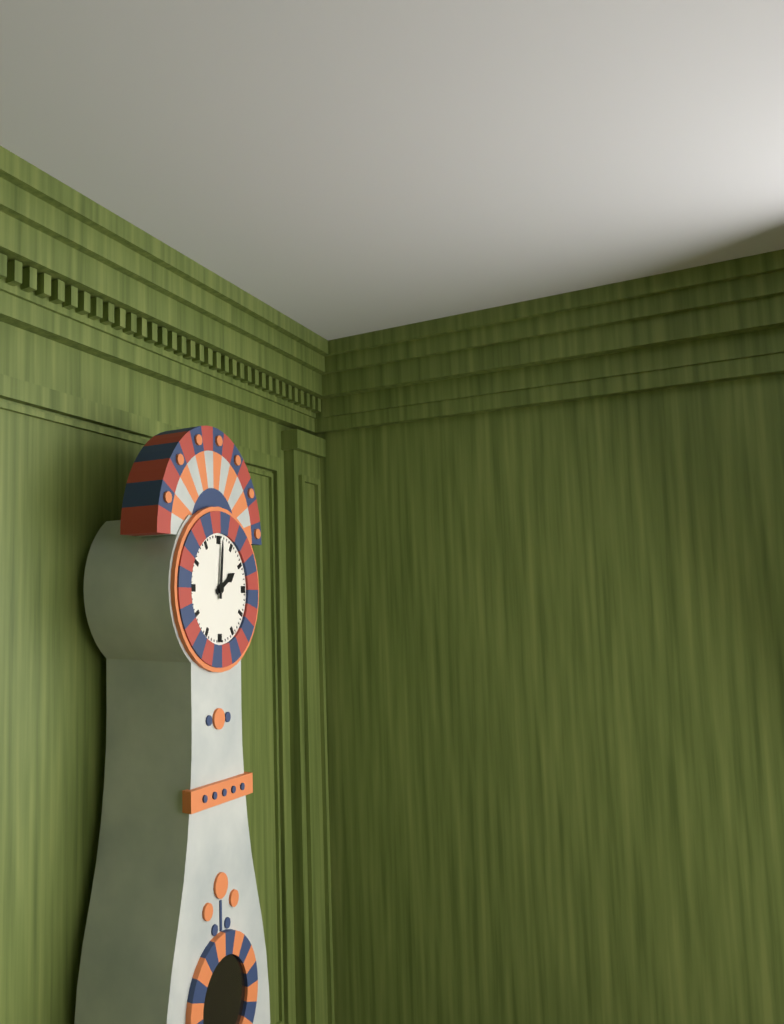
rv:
2 h 01 min
